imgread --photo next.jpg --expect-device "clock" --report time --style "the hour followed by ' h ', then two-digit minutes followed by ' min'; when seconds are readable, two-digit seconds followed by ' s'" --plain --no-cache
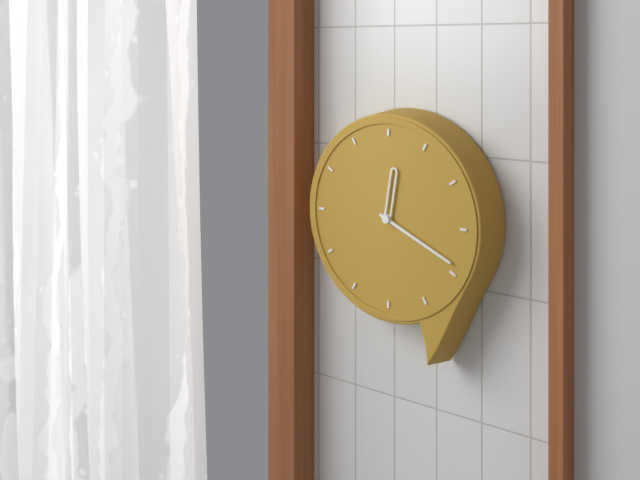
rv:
12 h 19 min
